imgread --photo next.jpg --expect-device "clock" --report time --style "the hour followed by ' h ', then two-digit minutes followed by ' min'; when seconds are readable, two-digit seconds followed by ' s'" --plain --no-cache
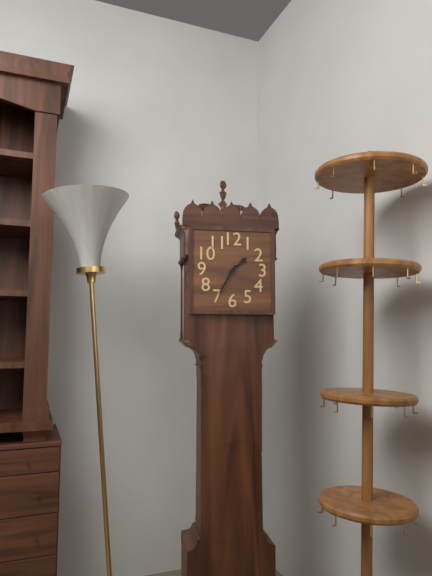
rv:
1 h 35 min
